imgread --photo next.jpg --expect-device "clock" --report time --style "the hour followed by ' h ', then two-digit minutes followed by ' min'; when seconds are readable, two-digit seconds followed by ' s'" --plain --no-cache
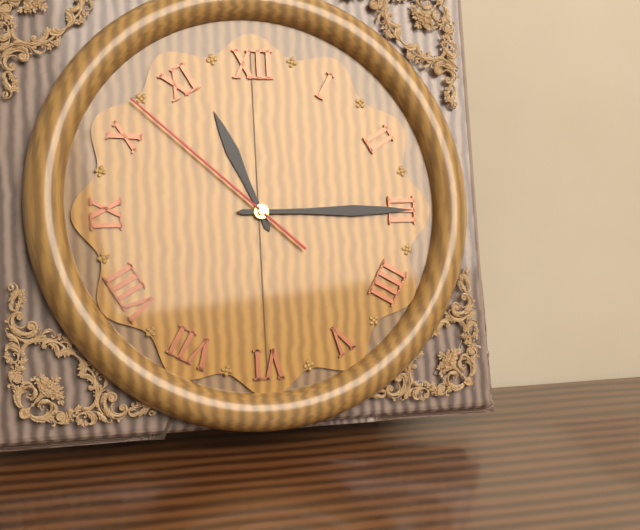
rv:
11 h 15 min 52 s
